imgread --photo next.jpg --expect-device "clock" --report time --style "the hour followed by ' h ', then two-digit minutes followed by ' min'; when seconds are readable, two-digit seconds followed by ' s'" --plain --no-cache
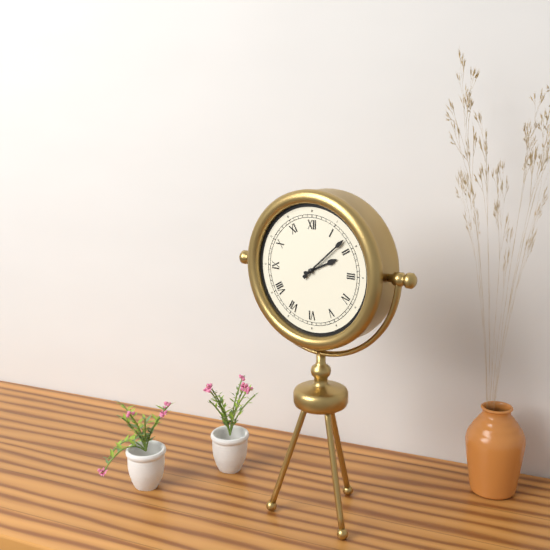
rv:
2 h 08 min
